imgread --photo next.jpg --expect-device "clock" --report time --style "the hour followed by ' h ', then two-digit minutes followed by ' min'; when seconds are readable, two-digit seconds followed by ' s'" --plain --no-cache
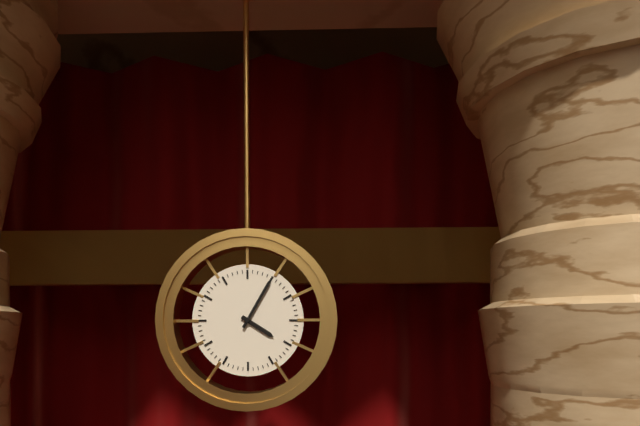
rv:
4 h 05 min
